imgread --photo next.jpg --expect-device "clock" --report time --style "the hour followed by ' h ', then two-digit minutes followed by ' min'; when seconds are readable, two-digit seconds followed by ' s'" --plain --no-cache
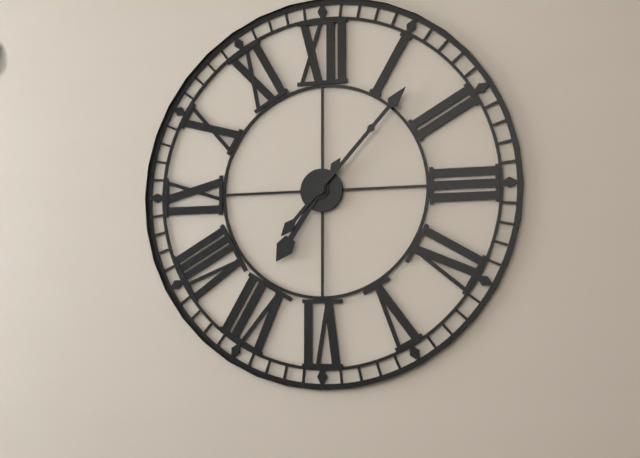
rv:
7 h 07 min
